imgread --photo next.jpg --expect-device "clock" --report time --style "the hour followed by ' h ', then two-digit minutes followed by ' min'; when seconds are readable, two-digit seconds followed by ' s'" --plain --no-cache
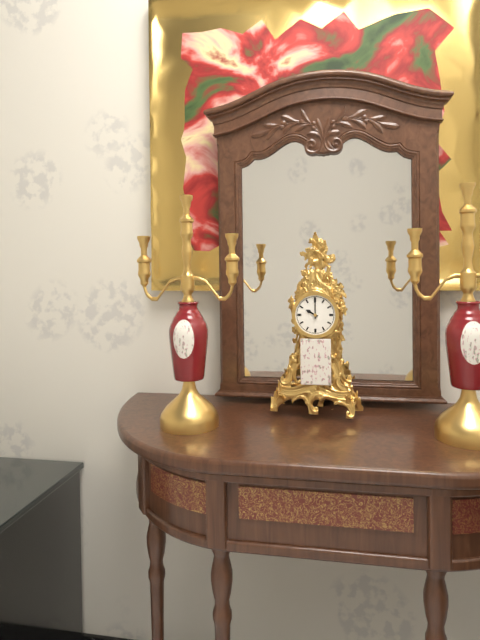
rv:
10 h 00 min
